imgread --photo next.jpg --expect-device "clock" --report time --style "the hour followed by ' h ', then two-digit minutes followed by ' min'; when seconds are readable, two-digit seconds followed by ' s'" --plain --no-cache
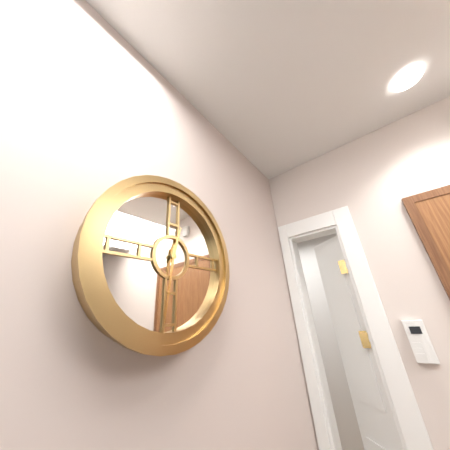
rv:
12 h 31 min
